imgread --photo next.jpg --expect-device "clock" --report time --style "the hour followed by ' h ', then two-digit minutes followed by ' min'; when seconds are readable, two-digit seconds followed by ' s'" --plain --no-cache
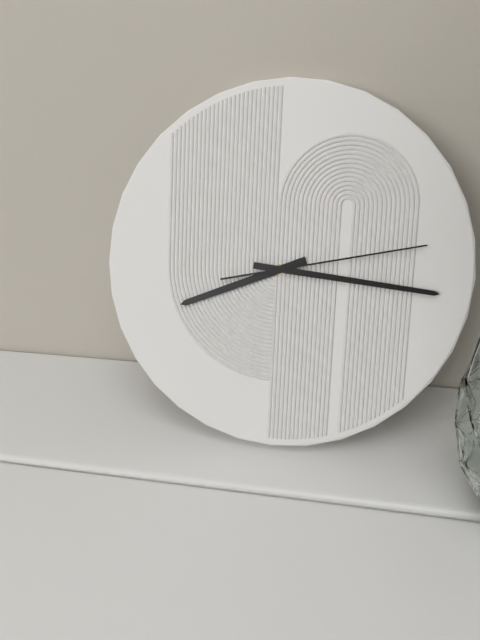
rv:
8 h 16 min 13 s
